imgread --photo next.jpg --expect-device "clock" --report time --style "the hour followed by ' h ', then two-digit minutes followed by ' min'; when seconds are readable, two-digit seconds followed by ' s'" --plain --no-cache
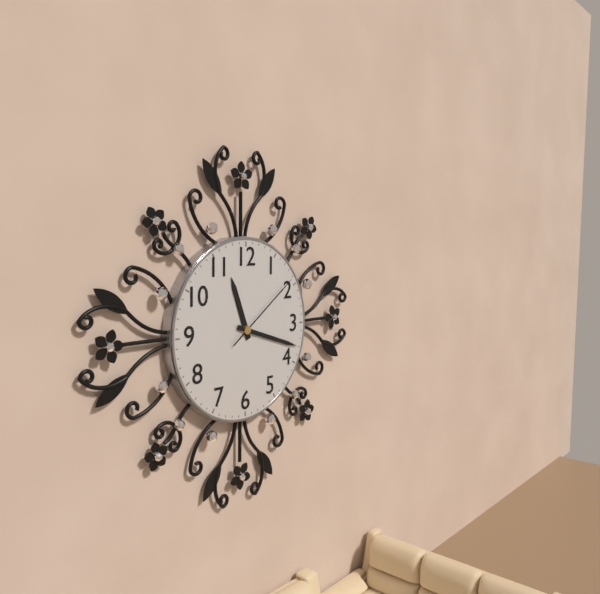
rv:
11 h 18 min 09 s
